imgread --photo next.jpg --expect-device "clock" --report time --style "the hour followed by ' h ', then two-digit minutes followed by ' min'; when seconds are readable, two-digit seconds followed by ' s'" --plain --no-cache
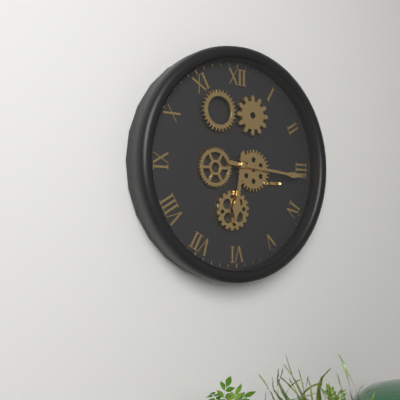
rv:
6 h 16 min
